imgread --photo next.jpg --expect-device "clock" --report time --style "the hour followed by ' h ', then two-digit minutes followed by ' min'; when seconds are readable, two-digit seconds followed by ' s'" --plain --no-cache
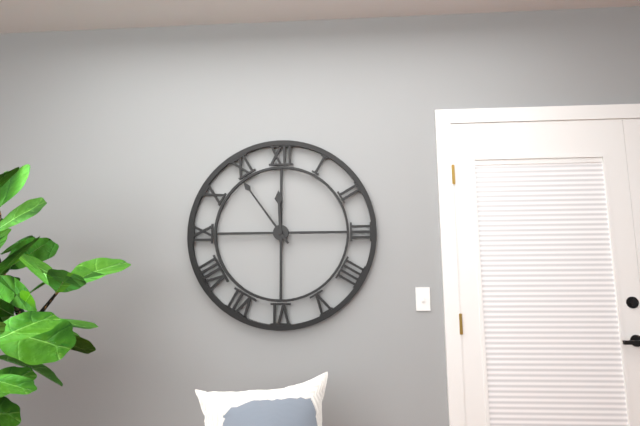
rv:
11 h 54 min
